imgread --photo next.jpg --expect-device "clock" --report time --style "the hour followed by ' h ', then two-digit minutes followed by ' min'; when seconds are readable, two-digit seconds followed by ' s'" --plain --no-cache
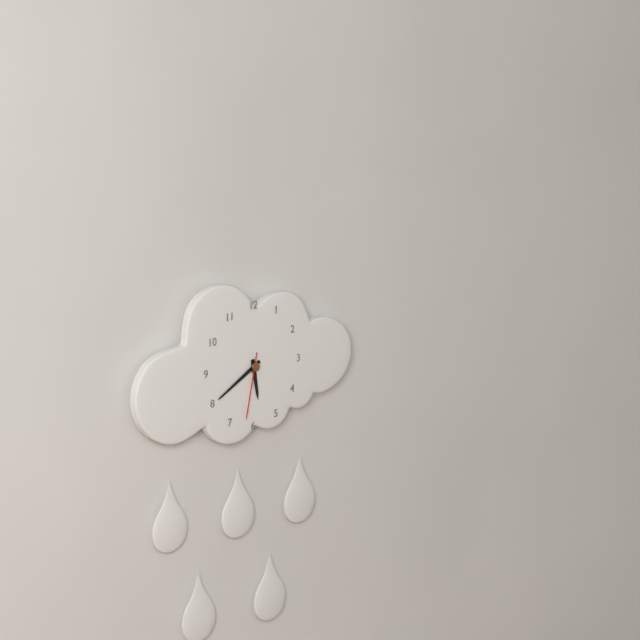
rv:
5 h 40 min 32 s
